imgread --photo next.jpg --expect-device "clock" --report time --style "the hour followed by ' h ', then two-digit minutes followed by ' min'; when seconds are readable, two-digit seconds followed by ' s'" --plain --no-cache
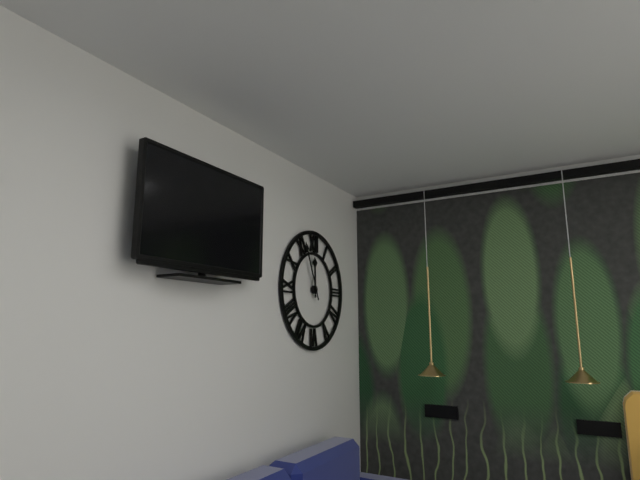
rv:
11 h 56 min
